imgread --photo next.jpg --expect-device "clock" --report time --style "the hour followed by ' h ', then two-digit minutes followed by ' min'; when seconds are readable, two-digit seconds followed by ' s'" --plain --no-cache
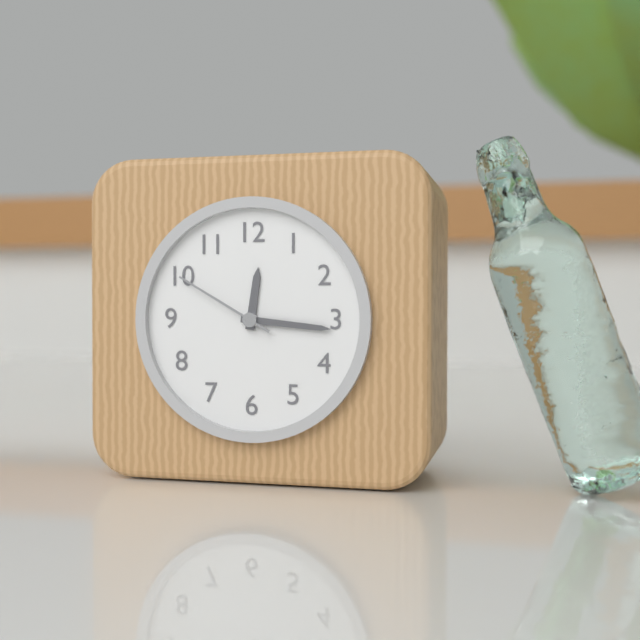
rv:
12 h 16 min 50 s
